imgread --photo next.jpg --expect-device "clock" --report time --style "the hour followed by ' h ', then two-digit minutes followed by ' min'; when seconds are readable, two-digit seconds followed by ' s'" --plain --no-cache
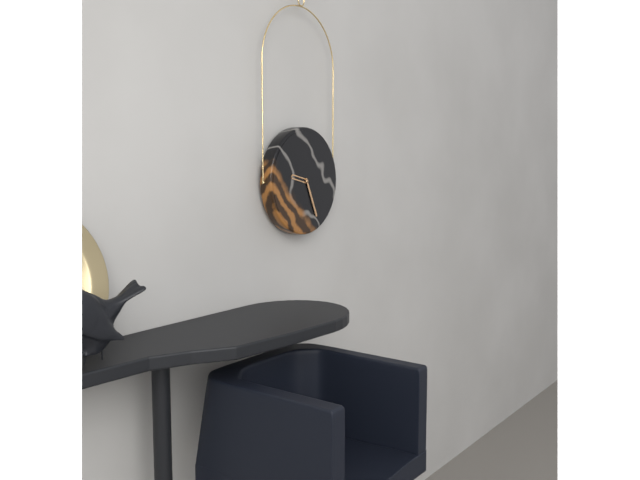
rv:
9 h 26 min
